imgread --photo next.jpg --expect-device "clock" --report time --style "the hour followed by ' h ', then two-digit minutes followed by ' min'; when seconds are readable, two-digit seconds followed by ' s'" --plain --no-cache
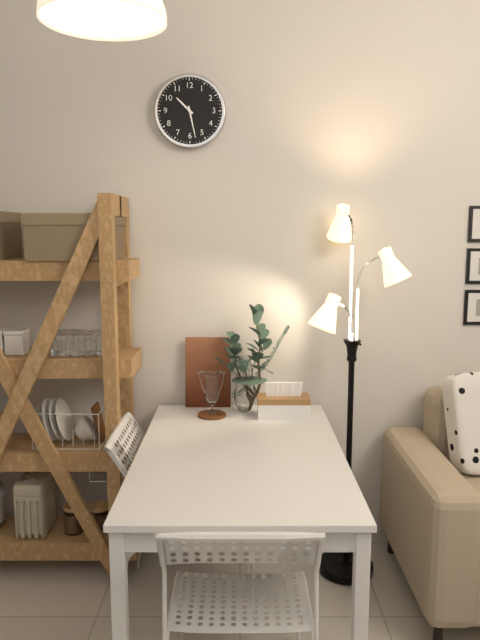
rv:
10 h 28 min
